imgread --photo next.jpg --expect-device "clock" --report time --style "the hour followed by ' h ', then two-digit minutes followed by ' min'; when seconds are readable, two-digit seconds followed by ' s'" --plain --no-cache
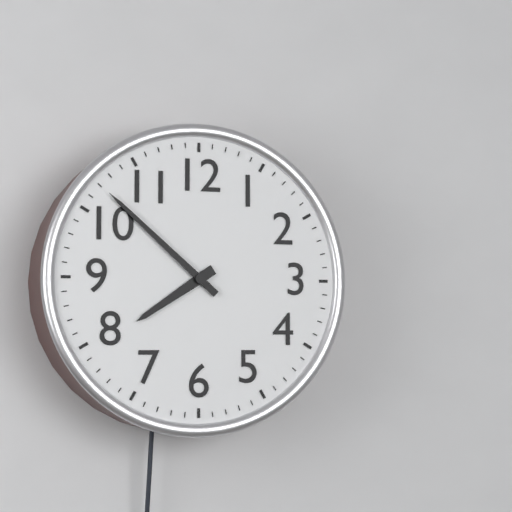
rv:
7 h 52 min
